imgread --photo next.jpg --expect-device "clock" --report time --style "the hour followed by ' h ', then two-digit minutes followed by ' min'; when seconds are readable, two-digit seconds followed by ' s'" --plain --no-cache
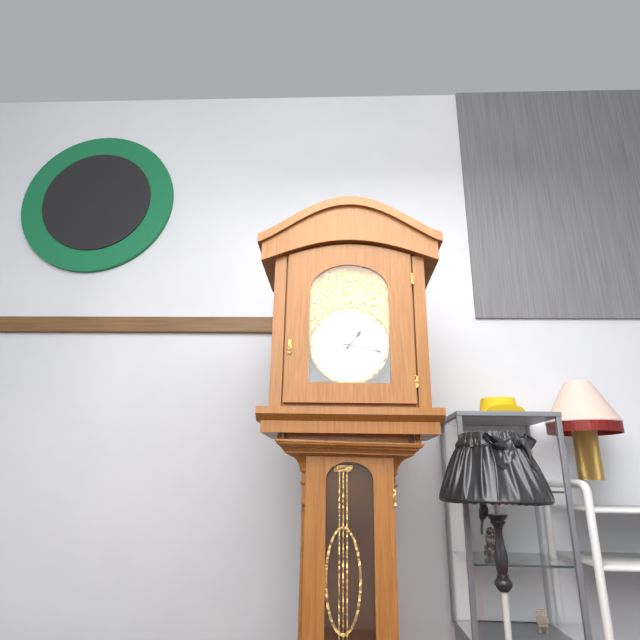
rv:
1 h 17 min
